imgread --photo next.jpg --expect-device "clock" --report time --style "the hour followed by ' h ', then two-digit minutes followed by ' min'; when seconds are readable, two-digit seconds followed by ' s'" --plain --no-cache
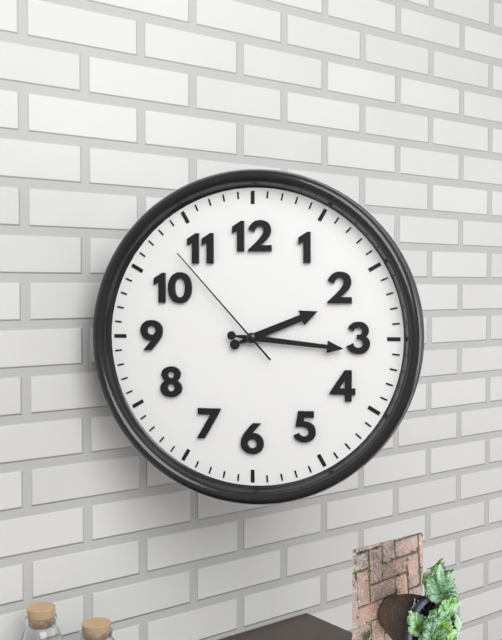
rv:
2 h 16 min 53 s
